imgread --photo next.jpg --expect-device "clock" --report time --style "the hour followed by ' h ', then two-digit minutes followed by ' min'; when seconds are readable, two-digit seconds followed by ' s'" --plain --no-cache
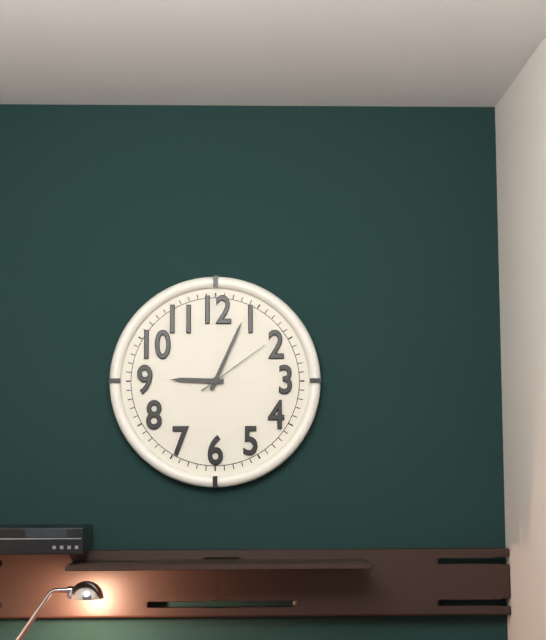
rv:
9 h 04 min 09 s
